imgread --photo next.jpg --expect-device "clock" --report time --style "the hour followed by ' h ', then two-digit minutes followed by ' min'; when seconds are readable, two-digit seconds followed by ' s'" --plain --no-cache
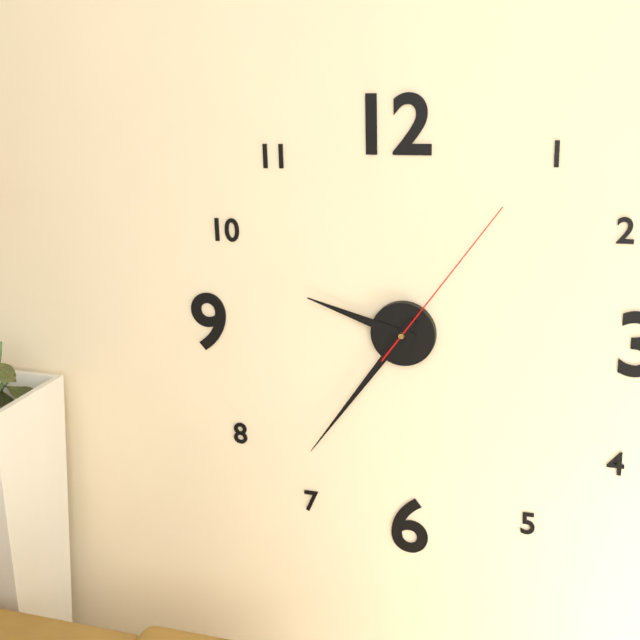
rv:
9 h 36 min 06 s
